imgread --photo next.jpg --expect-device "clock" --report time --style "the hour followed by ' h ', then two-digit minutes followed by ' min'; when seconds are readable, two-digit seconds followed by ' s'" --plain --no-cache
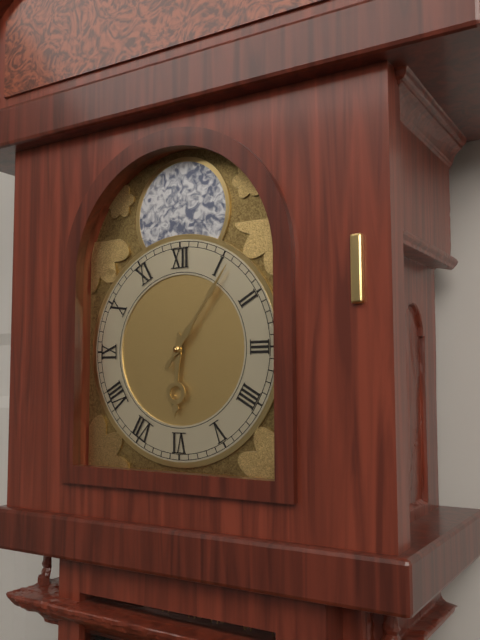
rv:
6 h 06 min
